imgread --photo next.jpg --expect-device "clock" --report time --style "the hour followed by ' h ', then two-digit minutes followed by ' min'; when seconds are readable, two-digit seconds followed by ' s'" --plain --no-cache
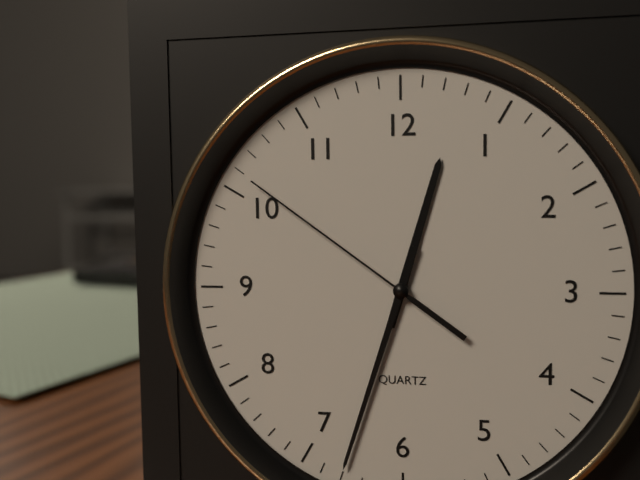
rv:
12 h 33 min 51 s
